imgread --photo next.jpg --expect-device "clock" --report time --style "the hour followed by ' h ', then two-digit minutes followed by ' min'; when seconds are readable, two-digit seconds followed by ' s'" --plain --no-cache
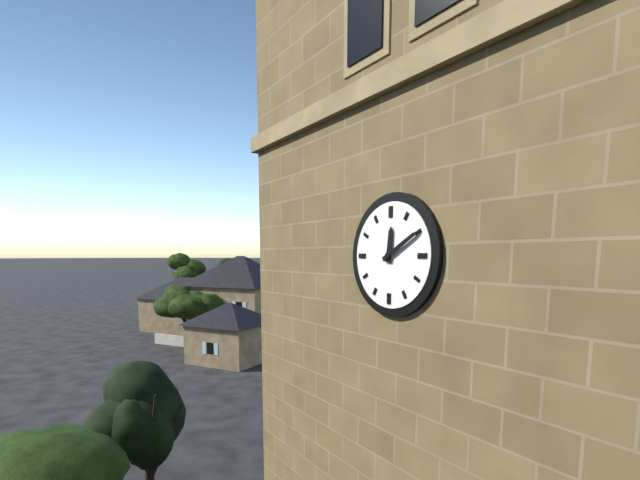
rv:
12 h 10 min
